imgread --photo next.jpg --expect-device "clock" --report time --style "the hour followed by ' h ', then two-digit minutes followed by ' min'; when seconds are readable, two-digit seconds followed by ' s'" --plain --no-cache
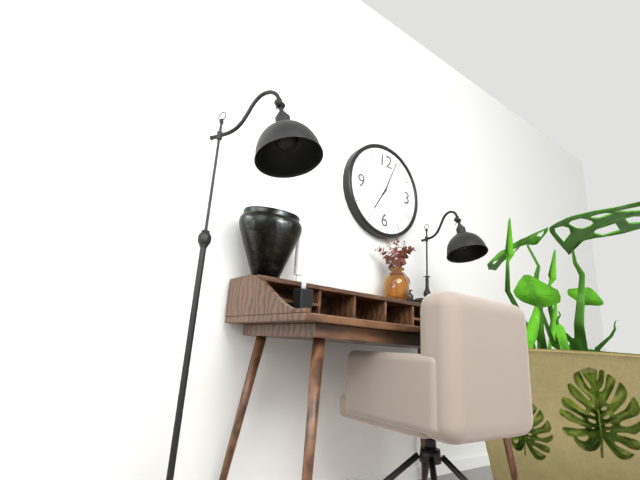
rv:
7 h 04 min
